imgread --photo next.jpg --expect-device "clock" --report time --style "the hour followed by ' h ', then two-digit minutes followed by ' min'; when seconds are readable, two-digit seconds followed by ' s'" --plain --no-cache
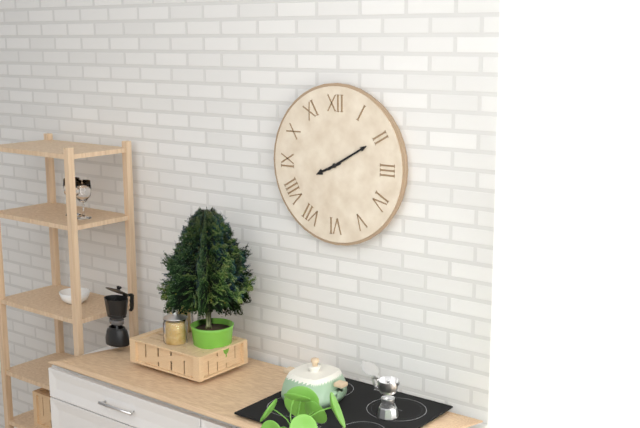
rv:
8 h 10 min
